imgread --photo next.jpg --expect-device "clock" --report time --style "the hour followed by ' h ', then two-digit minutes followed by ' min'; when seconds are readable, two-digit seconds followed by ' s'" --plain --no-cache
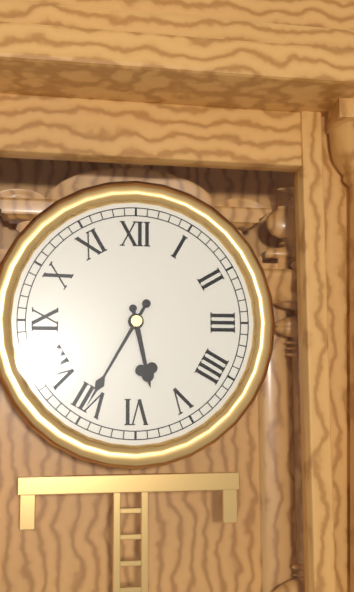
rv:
5 h 35 min
